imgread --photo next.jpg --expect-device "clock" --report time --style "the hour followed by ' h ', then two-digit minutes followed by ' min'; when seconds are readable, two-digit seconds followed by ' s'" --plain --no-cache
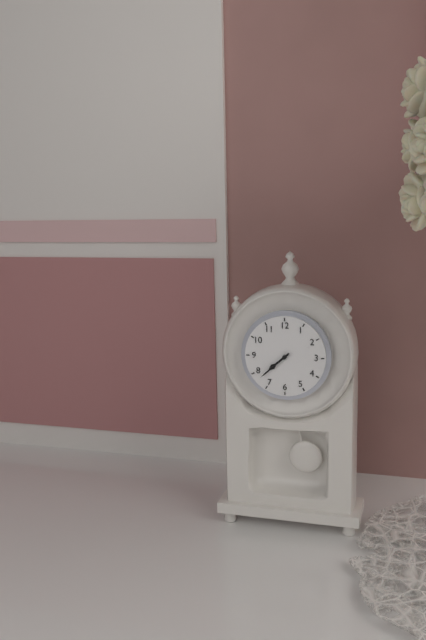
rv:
7 h 38 min
